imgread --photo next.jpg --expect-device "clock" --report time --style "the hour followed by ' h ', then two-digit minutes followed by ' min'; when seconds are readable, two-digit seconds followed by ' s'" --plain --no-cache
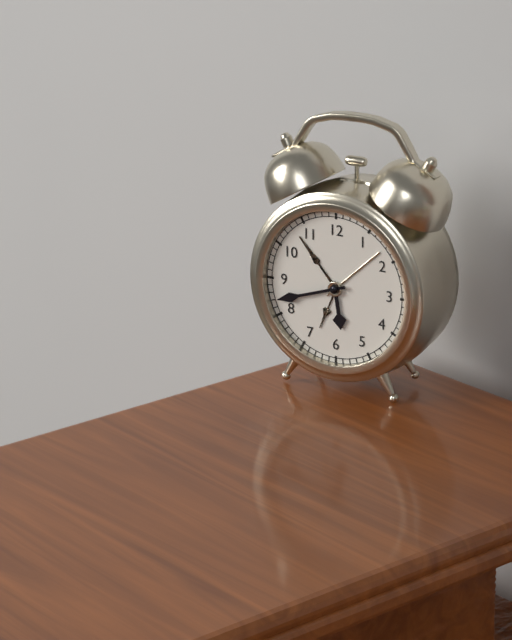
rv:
5 h 42 min
